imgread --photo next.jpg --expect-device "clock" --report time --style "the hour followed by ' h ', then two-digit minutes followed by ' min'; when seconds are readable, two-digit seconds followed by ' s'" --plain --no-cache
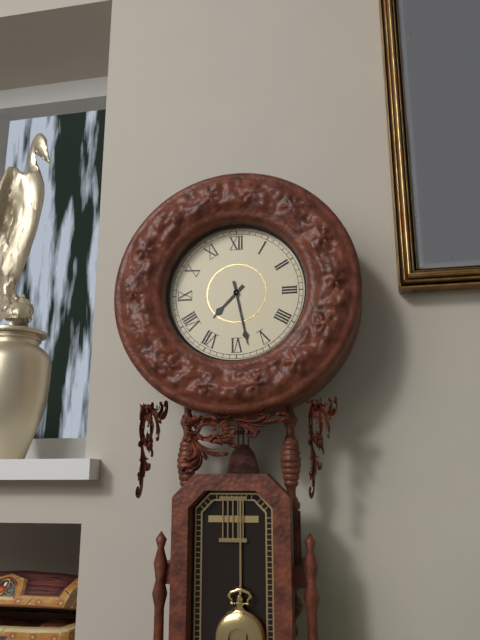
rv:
7 h 28 min
